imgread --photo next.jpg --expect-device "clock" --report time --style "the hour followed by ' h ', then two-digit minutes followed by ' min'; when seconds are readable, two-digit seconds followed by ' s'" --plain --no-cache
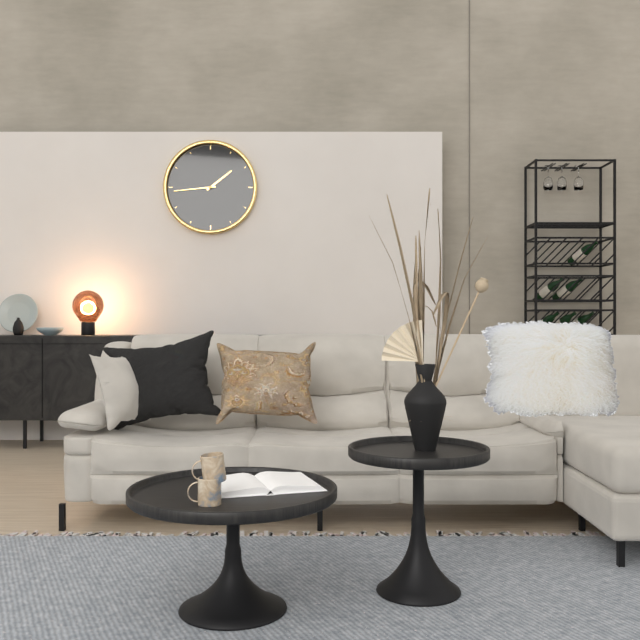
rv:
1 h 44 min
